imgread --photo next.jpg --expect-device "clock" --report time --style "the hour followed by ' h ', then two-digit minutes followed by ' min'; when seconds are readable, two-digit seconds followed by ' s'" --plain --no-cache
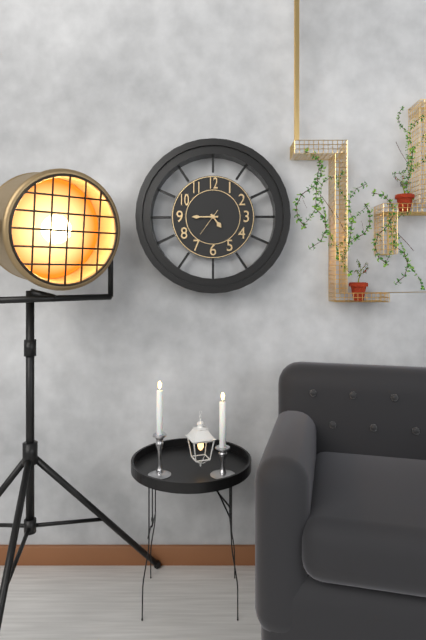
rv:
4 h 45 min
